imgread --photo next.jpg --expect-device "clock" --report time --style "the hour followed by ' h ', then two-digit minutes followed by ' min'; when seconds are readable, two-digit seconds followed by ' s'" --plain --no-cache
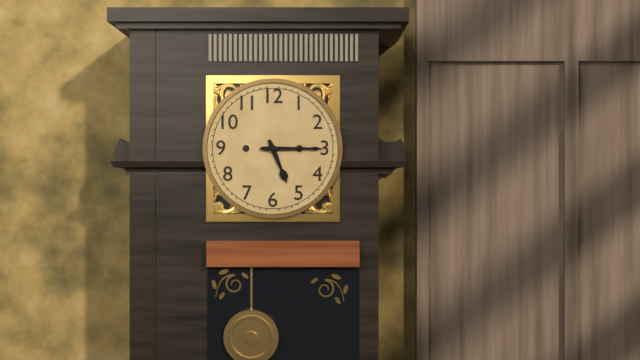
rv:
5 h 15 min
